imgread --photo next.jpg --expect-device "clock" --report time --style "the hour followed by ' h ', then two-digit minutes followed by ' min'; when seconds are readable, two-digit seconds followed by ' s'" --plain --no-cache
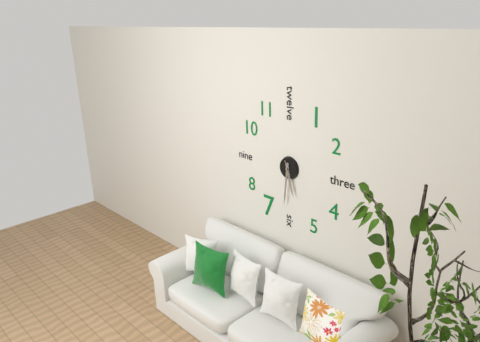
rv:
5 h 31 min
